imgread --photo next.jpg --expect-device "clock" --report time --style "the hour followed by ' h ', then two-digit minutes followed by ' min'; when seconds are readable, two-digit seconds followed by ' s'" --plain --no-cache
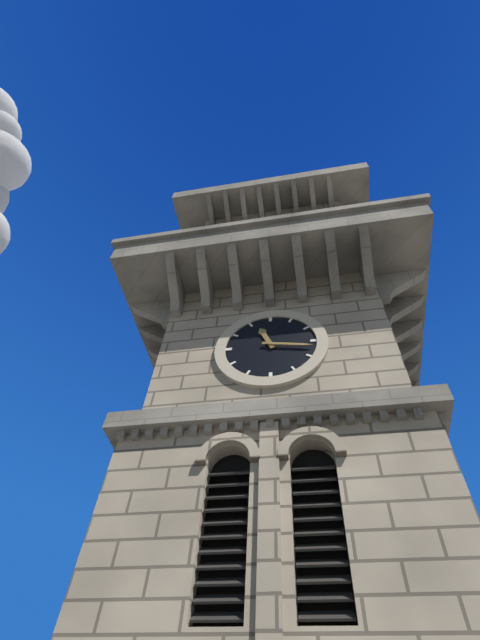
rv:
11 h 17 min
